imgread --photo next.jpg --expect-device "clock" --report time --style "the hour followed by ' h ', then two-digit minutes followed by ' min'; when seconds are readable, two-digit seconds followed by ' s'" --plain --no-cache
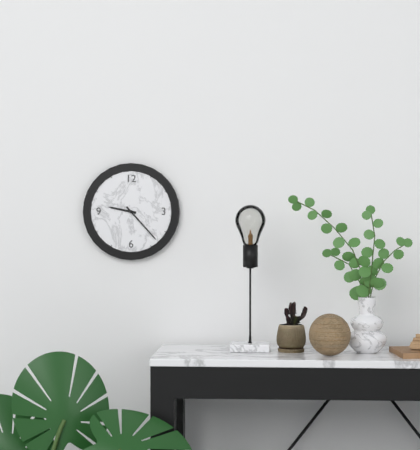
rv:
9 h 23 min
